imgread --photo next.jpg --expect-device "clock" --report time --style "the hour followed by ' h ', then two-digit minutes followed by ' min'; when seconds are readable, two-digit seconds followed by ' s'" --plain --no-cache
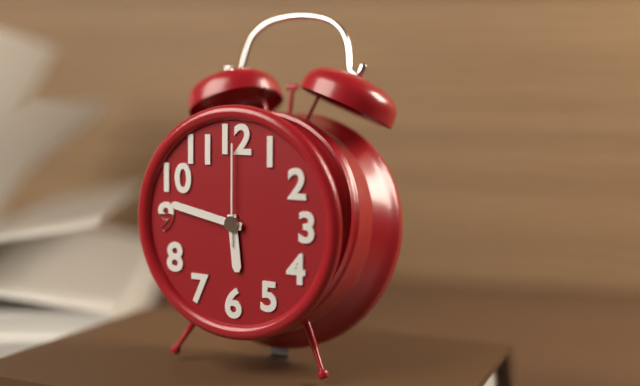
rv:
5 h 47 min 00 s
